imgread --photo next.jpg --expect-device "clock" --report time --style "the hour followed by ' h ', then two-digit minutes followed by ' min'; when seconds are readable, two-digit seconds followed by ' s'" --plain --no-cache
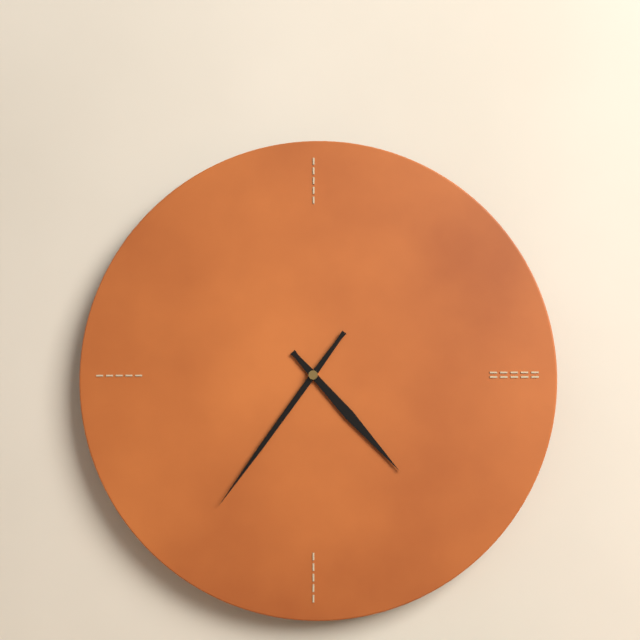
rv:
4 h 36 min
